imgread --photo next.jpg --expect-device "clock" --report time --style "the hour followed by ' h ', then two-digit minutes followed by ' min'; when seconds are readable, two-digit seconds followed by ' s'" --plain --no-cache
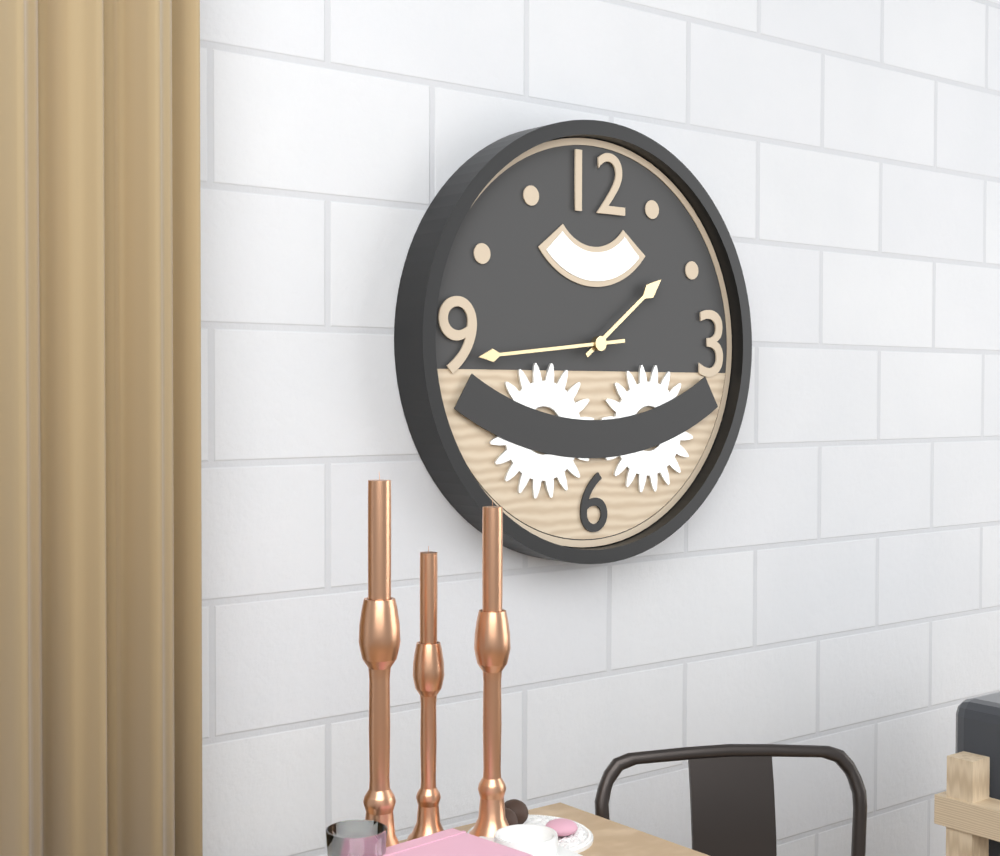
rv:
1 h 44 min
